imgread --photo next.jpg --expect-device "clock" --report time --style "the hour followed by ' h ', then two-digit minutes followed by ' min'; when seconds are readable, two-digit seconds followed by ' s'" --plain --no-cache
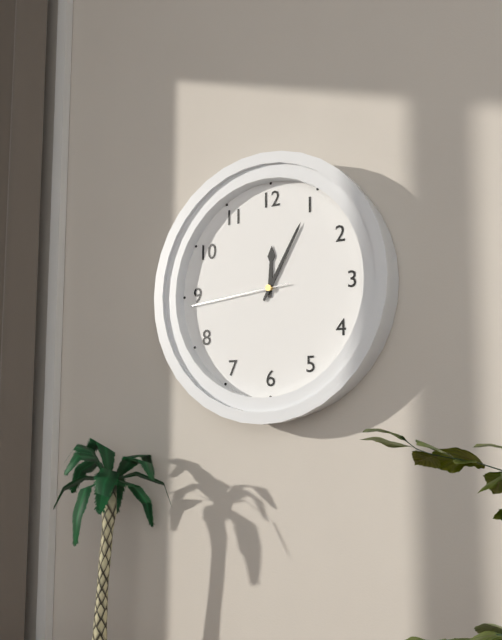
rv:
12 h 05 min 44 s
